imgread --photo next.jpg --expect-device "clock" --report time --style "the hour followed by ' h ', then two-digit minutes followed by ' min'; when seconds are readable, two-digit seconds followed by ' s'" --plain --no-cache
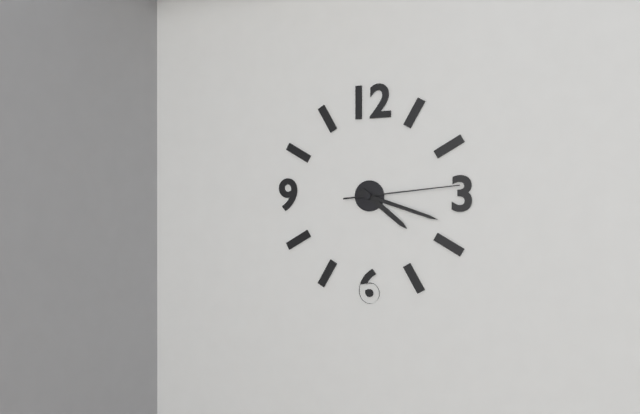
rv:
4 h 18 min 14 s
